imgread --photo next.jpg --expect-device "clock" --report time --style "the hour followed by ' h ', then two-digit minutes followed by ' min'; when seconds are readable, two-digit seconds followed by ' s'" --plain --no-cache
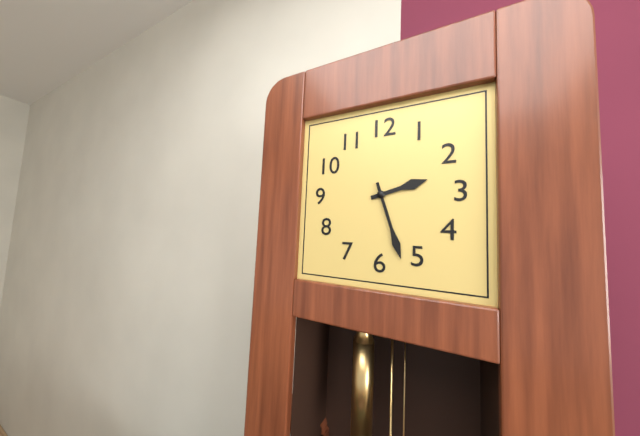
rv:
2 h 27 min
